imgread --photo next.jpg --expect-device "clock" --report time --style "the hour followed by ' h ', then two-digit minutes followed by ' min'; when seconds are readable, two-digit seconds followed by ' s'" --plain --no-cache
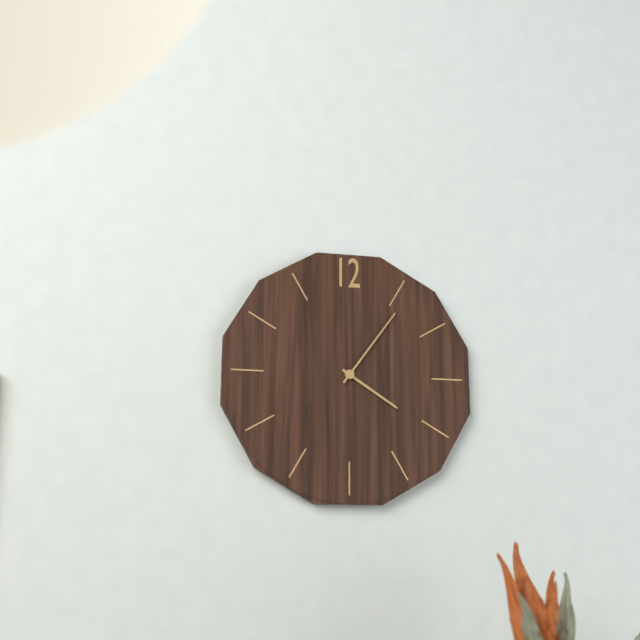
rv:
4 h 06 min
